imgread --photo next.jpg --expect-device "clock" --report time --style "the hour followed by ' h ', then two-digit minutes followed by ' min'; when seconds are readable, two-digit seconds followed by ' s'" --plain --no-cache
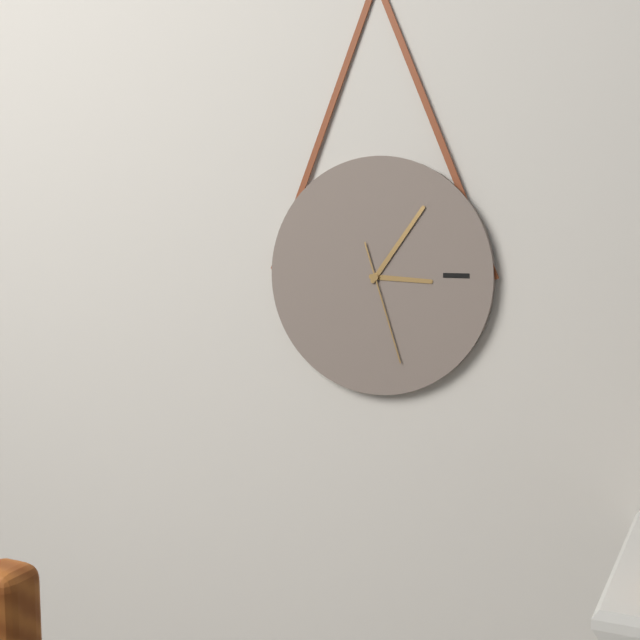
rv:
3 h 06 min 27 s
